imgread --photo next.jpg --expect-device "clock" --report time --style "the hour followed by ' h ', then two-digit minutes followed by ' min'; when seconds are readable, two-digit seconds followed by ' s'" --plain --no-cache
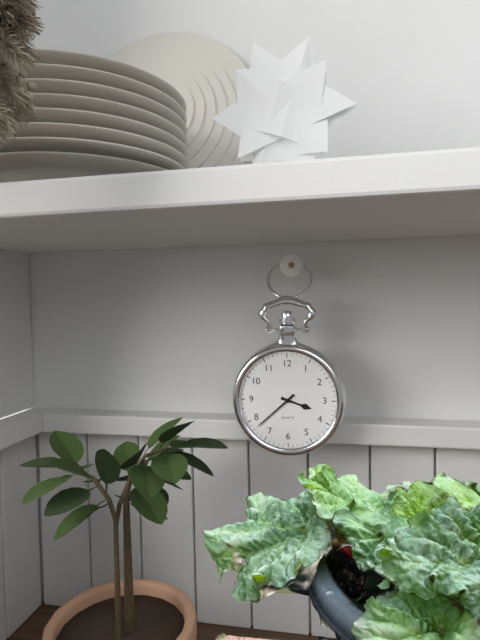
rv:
3 h 38 min
